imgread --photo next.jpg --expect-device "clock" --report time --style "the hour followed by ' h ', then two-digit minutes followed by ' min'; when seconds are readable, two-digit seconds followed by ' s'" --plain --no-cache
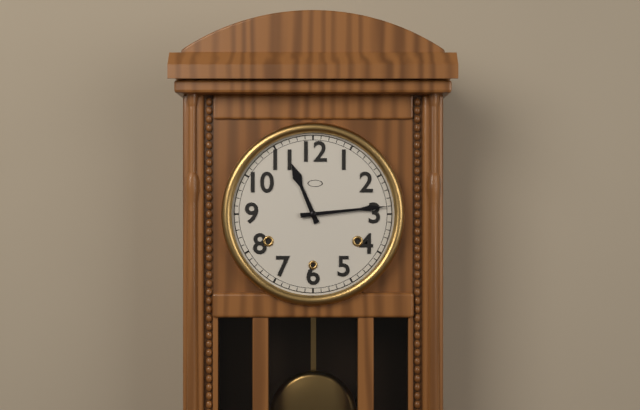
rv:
11 h 14 min
